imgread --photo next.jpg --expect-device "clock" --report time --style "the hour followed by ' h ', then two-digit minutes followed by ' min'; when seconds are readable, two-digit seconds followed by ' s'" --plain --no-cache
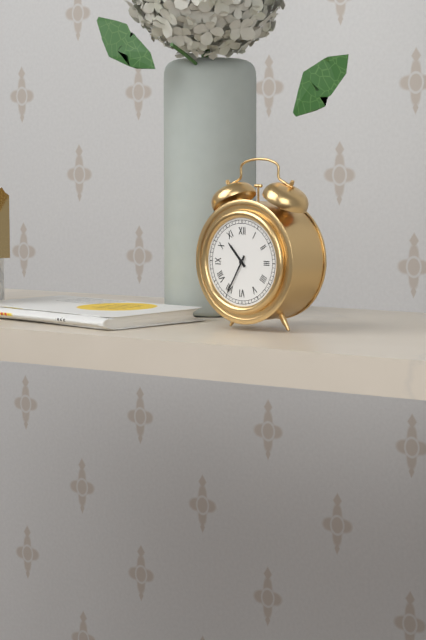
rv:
10 h 35 min
